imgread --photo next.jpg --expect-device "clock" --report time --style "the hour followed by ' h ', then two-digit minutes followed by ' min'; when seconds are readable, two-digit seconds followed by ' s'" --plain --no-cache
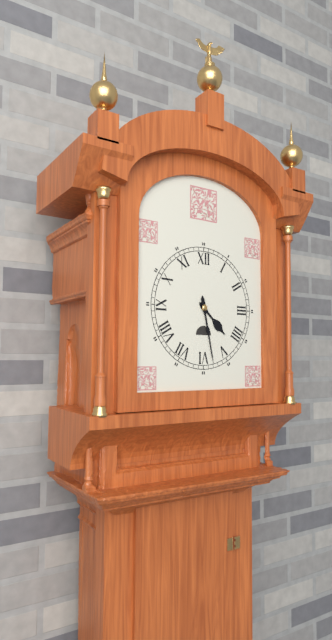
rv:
4 h 28 min
